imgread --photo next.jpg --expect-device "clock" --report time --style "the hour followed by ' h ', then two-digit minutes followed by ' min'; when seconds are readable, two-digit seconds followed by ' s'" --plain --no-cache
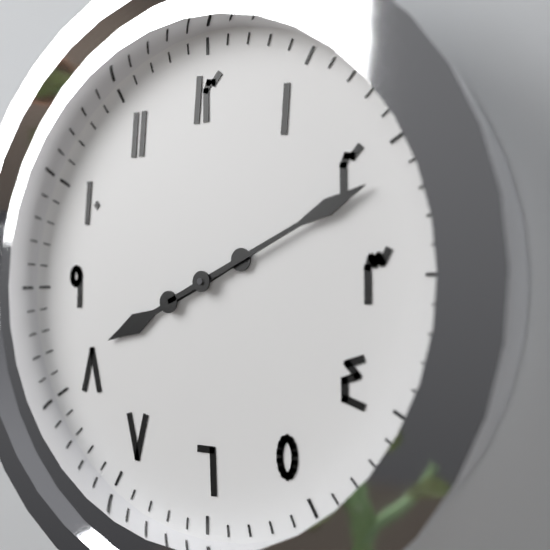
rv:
8 h 11 min
